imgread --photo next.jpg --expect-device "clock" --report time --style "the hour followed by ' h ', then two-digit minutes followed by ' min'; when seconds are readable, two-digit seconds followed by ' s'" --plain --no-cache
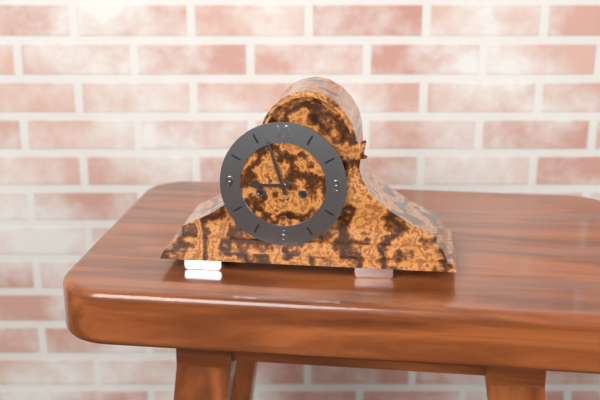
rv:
8 h 57 min
